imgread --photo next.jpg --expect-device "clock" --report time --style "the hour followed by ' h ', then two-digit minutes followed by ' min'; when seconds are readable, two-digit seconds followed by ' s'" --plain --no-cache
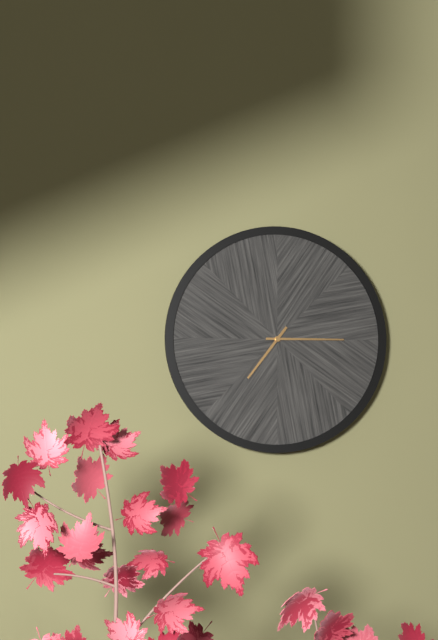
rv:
7 h 15 min
